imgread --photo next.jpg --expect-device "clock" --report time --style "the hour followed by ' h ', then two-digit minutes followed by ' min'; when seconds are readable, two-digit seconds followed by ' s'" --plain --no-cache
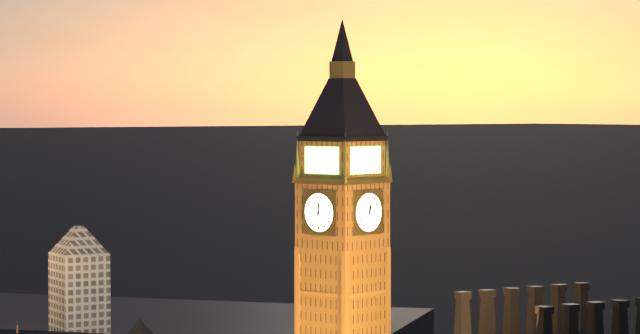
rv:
12 h 02 min
